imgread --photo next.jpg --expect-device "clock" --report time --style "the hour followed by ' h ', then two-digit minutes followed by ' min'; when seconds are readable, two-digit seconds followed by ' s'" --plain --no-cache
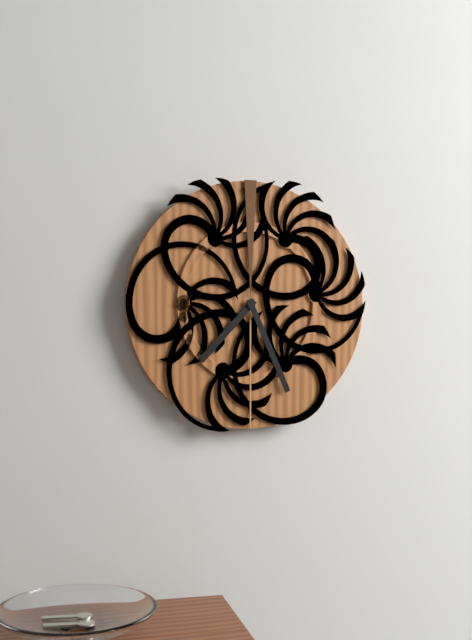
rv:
7 h 26 min
